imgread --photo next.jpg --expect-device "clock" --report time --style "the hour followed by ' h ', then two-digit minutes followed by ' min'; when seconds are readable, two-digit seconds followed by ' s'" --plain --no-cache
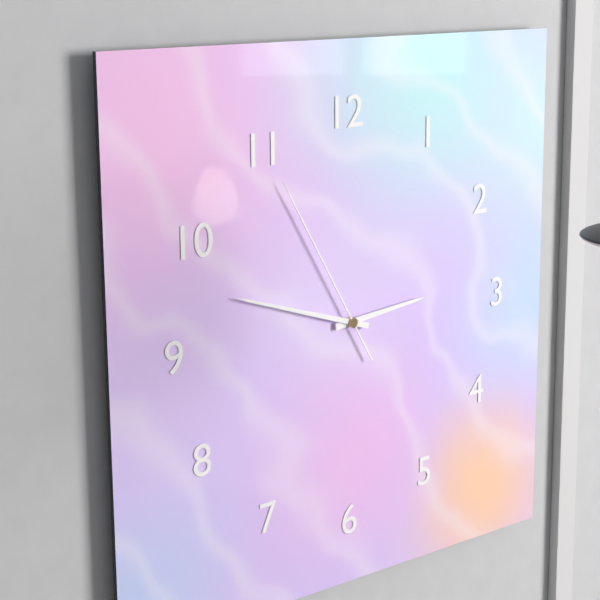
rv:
2 h 48 min 55 s
